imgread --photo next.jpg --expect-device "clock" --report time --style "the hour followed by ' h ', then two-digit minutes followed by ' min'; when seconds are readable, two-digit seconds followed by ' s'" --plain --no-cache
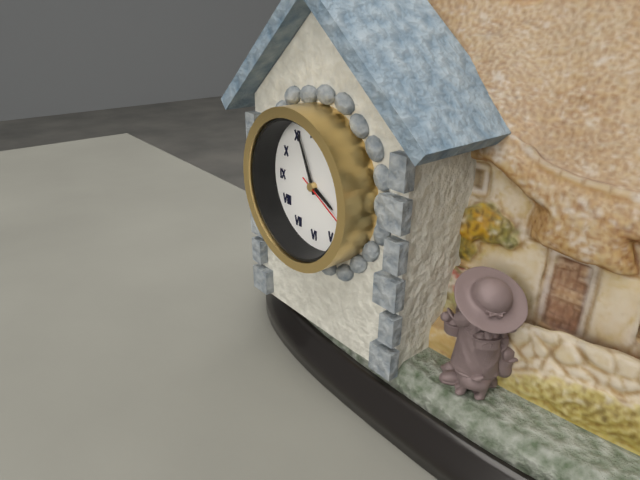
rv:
3 h 56 min 20 s
